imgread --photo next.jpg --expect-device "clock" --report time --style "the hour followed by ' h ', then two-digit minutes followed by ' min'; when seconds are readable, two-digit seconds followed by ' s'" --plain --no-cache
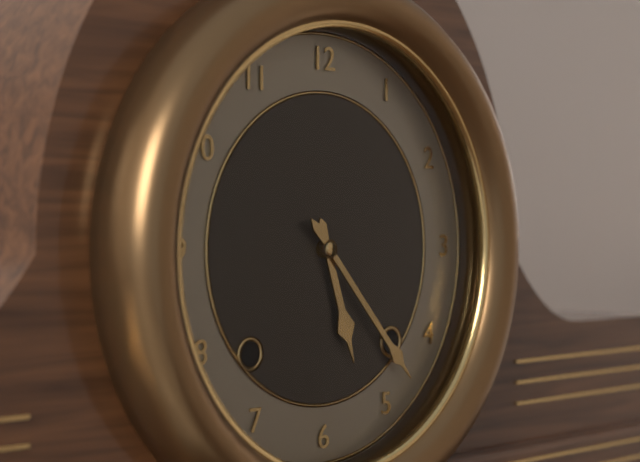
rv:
5 h 23 min
